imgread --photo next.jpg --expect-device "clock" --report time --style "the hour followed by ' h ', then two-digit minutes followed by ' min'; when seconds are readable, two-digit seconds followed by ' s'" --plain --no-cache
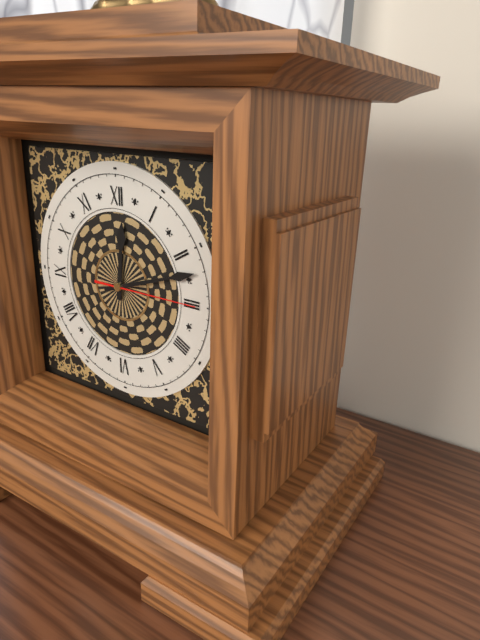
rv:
12 h 12 min 15 s
